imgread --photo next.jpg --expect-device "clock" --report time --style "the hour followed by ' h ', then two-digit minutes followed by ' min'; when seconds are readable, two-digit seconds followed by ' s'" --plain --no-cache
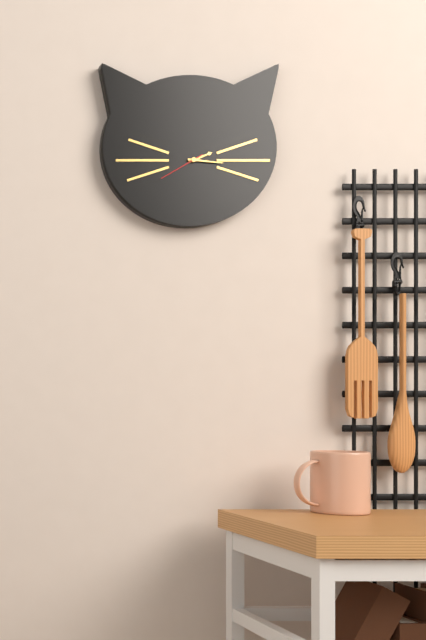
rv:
2 h 16 min
